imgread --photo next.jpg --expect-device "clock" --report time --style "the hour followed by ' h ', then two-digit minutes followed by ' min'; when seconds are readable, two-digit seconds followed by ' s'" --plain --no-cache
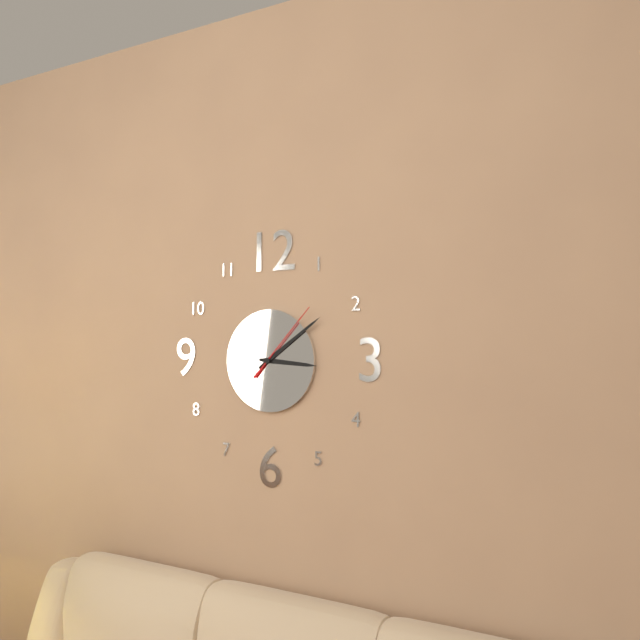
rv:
3 h 09 min 07 s
